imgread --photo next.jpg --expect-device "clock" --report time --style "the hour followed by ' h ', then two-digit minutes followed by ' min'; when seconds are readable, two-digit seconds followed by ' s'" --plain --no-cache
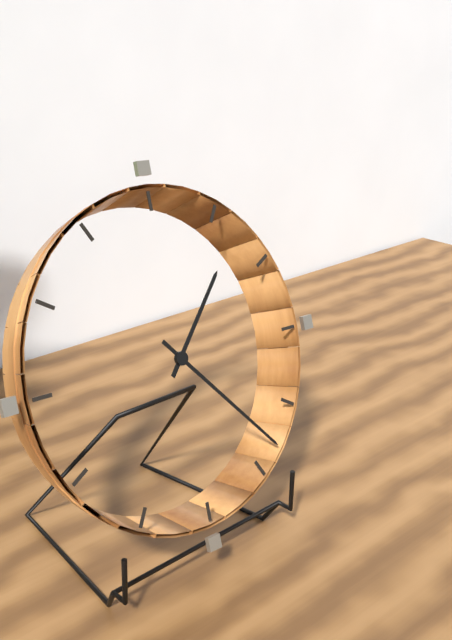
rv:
1 h 23 min
